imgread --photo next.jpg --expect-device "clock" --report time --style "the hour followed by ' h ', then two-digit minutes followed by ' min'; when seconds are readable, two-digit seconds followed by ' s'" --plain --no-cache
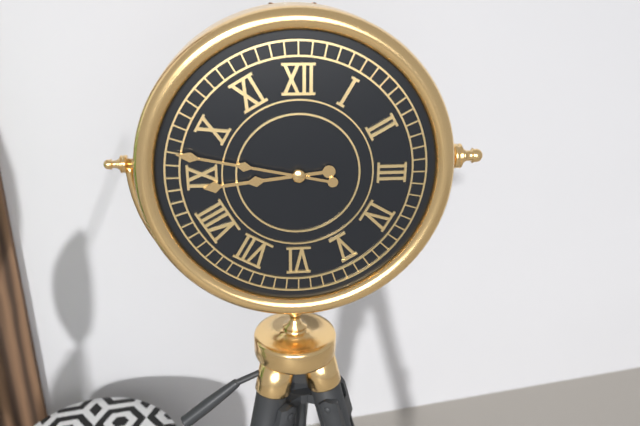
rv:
8 h 47 min
